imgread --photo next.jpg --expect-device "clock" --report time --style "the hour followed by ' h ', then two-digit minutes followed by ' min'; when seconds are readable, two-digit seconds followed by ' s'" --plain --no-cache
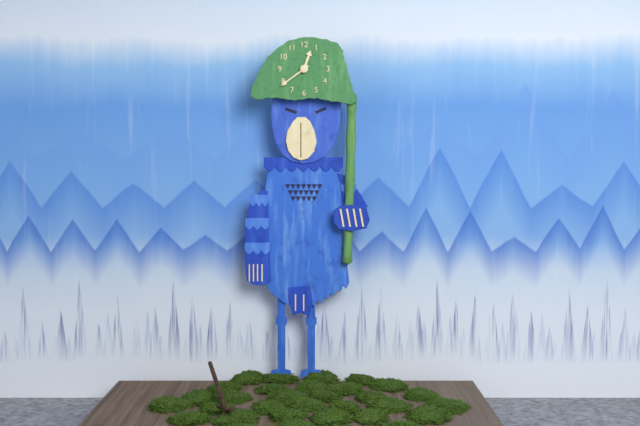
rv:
12 h 39 min
